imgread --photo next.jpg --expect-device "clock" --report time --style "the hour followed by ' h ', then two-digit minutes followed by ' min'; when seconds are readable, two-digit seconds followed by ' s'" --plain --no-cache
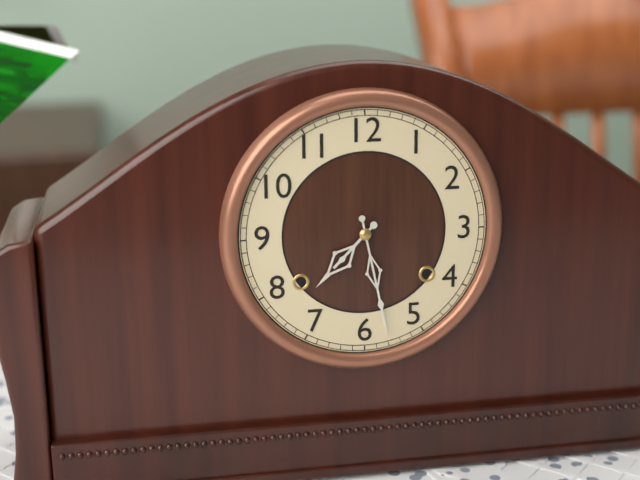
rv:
7 h 28 min
